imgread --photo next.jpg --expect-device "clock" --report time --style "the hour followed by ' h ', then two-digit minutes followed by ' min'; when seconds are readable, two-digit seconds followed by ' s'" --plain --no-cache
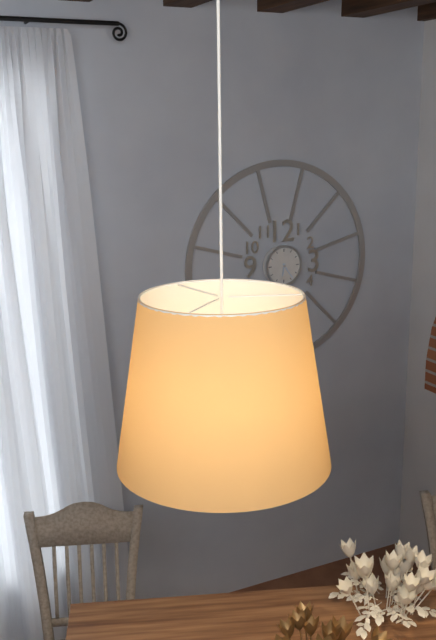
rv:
6 h 24 min
